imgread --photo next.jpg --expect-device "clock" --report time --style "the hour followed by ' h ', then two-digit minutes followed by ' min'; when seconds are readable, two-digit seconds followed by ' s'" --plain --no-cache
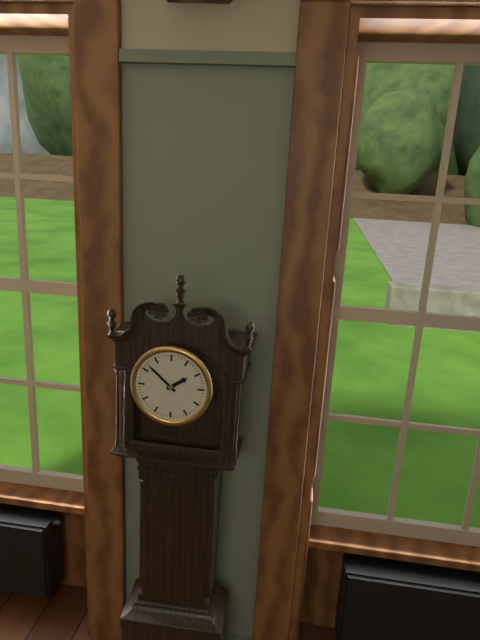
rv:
1 h 52 min
